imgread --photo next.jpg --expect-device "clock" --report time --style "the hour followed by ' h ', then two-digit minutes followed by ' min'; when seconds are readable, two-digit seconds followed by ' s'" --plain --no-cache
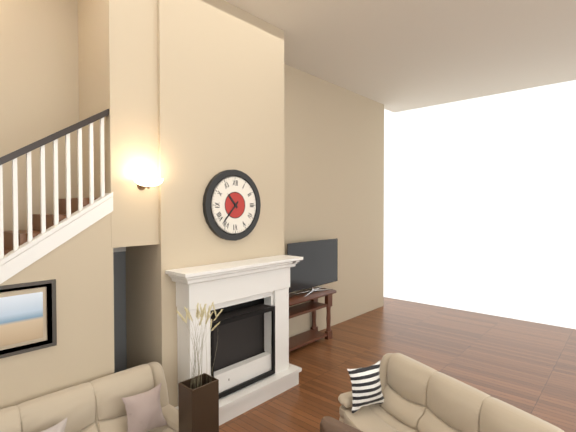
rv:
10 h 37 min
